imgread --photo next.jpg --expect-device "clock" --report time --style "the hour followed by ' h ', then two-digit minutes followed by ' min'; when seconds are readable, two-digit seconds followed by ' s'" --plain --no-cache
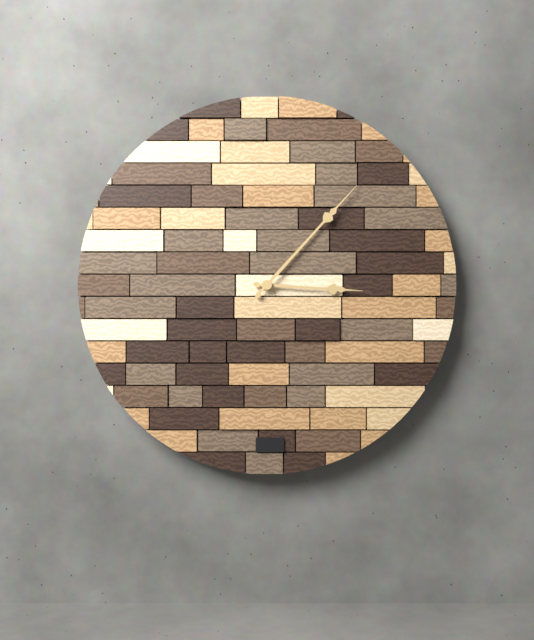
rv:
3 h 07 min
